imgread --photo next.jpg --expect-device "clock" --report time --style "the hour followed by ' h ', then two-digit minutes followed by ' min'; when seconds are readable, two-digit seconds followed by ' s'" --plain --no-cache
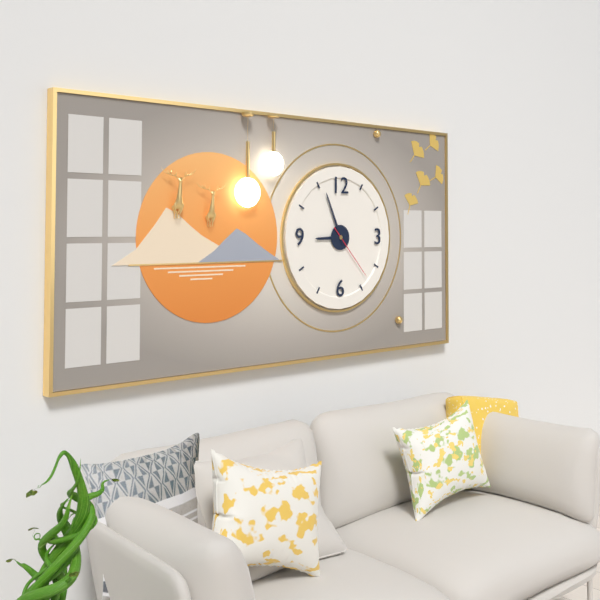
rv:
8 h 56 min 23 s
